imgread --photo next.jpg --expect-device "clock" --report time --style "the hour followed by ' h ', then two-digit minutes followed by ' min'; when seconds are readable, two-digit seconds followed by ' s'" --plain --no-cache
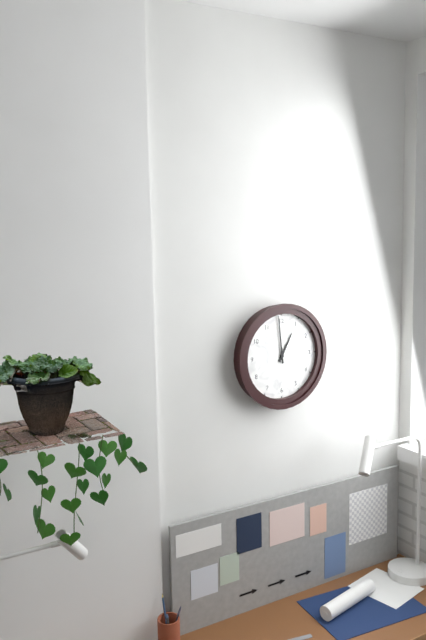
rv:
12 h 59 min
